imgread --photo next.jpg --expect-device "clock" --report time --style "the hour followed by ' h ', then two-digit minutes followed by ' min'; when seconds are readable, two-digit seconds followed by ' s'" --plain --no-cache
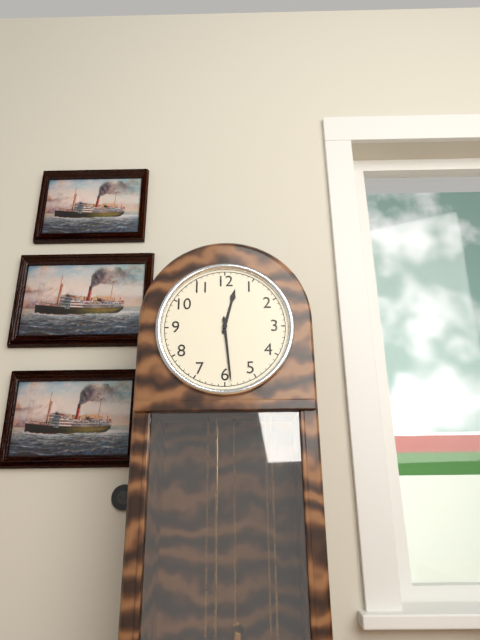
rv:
12 h 29 min
